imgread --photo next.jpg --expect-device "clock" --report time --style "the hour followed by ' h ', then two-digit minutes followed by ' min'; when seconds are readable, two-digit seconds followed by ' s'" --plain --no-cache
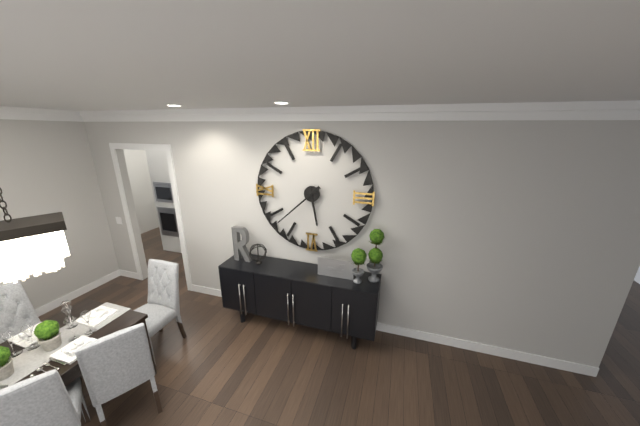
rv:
5 h 38 min
